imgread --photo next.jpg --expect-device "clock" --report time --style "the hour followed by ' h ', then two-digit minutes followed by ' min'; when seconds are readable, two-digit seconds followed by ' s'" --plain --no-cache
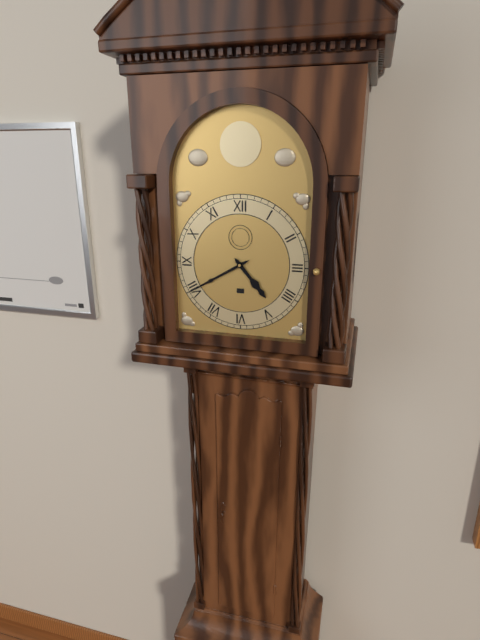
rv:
4 h 40 min
